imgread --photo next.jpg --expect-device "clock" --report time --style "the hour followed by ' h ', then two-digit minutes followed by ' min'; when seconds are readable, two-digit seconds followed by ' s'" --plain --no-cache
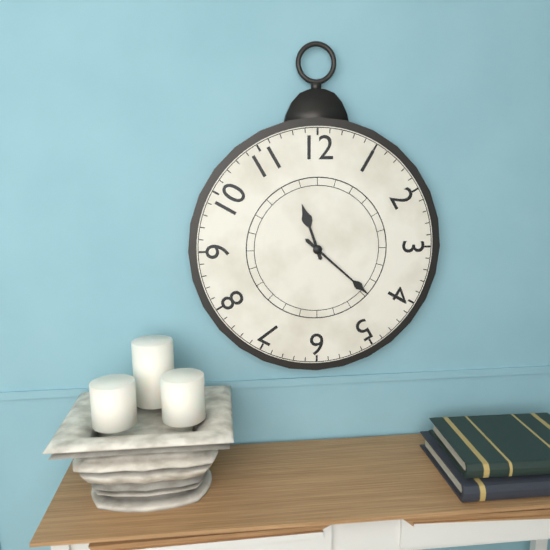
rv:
11 h 22 min
